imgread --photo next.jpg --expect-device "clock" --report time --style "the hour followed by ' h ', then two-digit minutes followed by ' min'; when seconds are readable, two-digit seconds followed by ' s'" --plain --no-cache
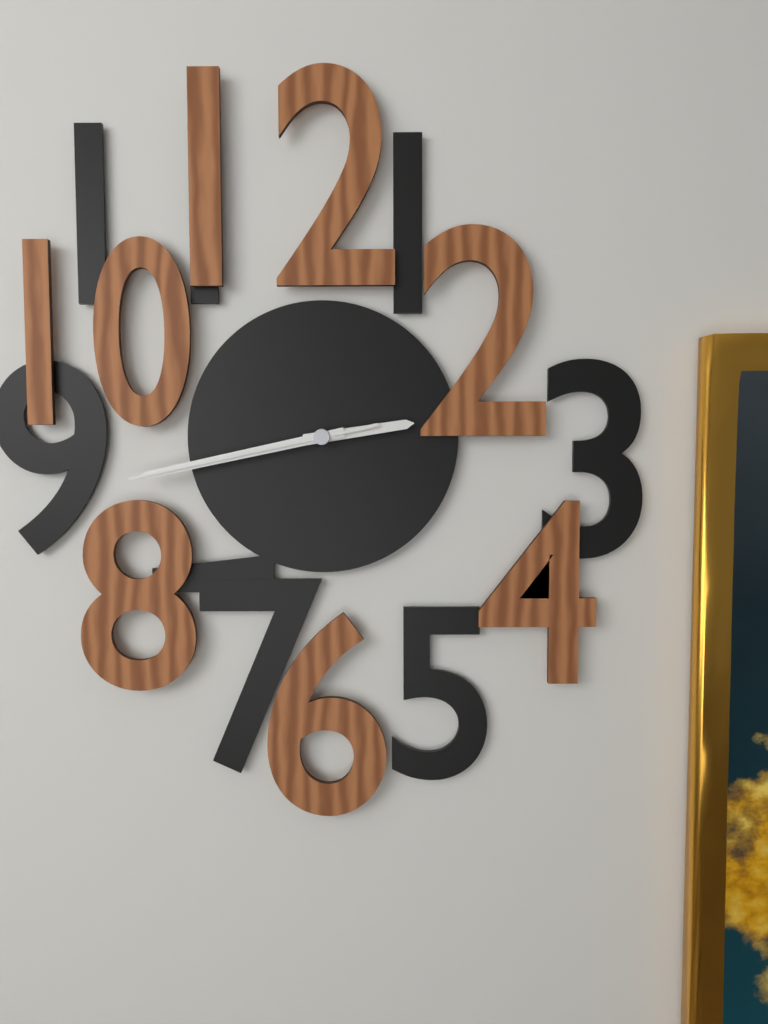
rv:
2 h 43 min 43 s
